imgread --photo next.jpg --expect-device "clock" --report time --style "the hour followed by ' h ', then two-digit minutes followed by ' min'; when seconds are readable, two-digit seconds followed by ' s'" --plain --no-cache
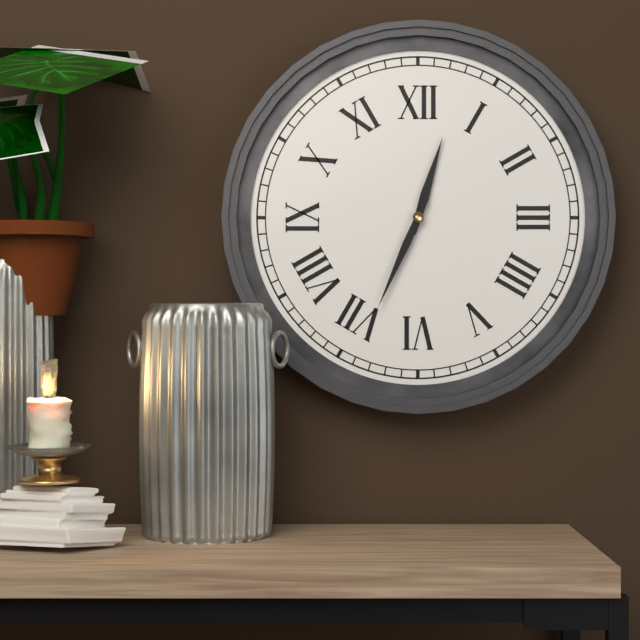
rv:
12 h 34 min
